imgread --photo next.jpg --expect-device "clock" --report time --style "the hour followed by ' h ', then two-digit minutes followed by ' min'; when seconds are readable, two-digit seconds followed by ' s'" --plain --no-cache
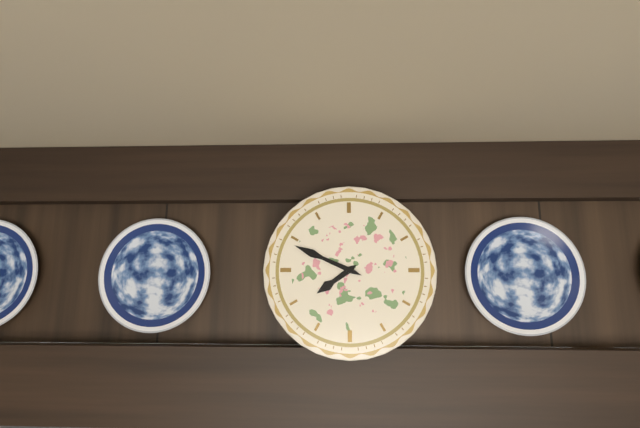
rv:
7 h 49 min
